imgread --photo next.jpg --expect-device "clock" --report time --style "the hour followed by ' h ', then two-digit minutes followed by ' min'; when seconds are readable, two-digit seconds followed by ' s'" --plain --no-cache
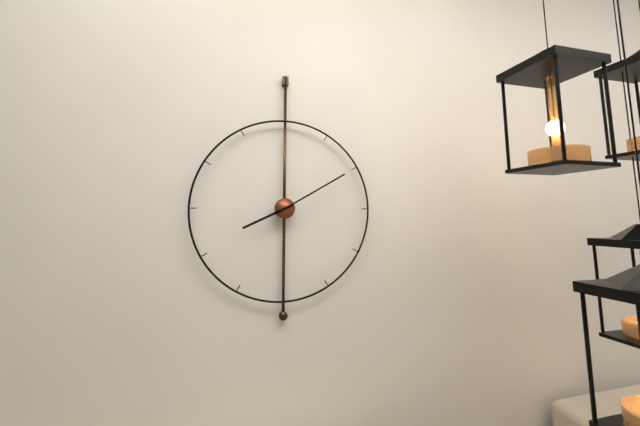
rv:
8 h 10 min
